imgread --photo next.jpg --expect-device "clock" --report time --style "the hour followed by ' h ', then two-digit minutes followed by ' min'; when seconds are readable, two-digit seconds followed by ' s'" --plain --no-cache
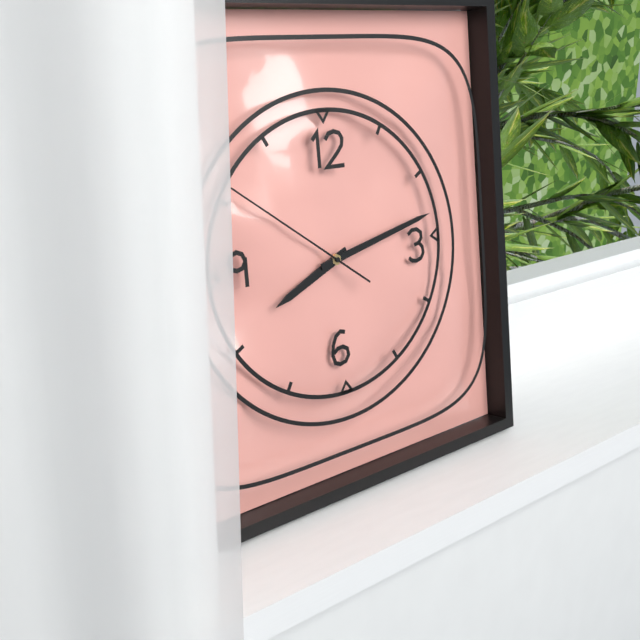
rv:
8 h 13 min 51 s
